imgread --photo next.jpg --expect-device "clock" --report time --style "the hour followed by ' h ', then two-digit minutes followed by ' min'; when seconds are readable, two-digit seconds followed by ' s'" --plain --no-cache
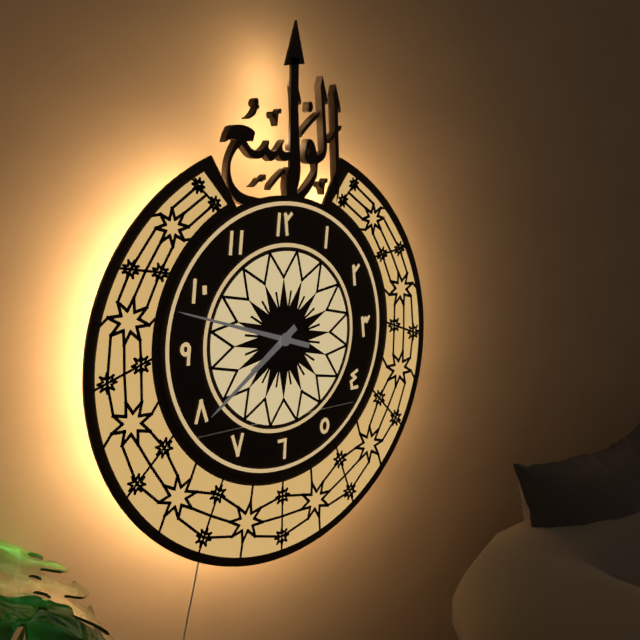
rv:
7 h 48 min
